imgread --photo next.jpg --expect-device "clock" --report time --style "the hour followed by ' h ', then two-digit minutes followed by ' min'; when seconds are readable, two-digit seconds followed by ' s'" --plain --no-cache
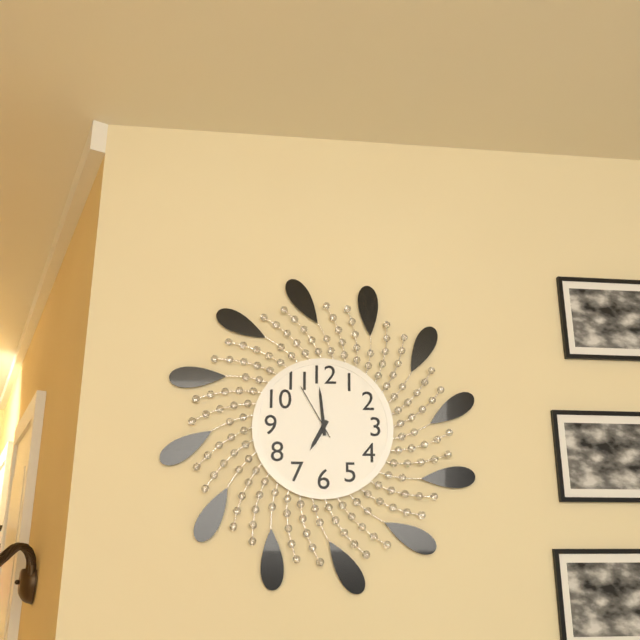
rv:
6 h 59 min 55 s
